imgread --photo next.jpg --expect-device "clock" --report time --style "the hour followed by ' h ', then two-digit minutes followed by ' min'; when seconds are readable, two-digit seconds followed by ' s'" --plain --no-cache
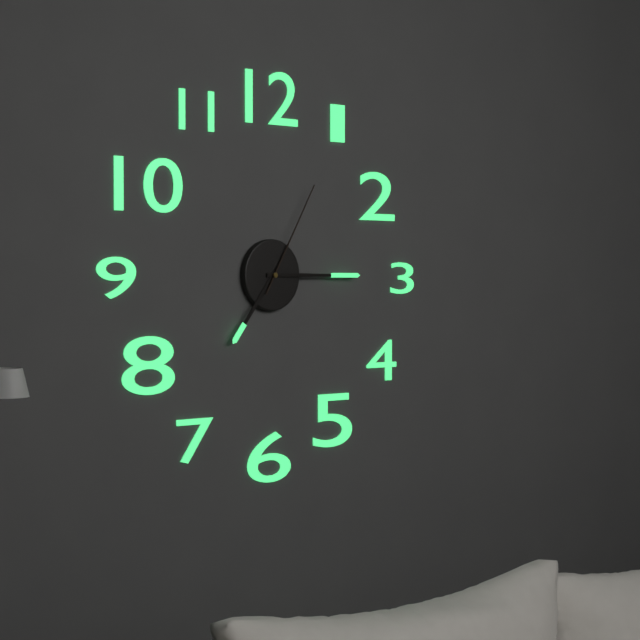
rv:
7 h 15 min 05 s
